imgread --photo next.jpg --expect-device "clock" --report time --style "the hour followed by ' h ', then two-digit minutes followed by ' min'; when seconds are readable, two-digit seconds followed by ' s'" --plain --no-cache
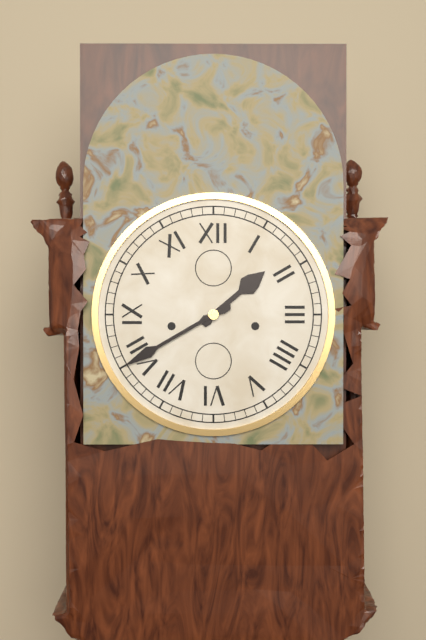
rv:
1 h 40 min
